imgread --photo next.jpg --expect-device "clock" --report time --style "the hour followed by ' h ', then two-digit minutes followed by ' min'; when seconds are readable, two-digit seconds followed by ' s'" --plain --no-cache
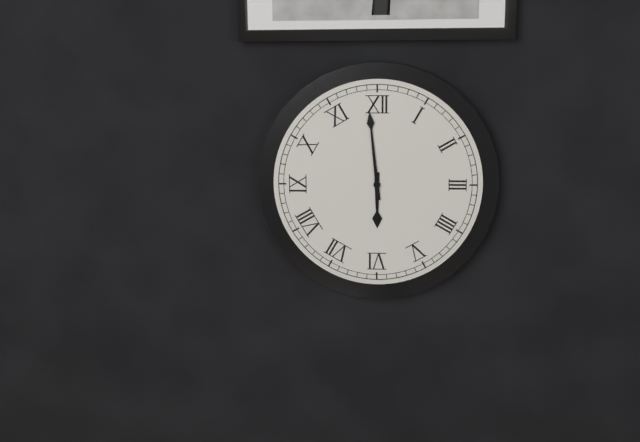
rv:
5 h 59 min
